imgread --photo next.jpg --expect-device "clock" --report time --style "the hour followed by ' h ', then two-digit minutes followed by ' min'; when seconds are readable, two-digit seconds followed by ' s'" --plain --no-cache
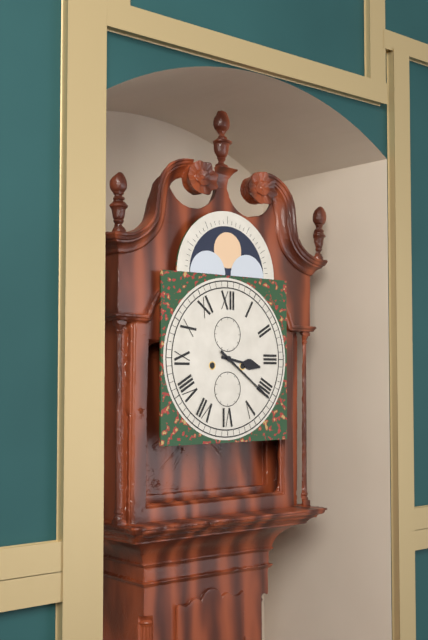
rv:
3 h 21 min
